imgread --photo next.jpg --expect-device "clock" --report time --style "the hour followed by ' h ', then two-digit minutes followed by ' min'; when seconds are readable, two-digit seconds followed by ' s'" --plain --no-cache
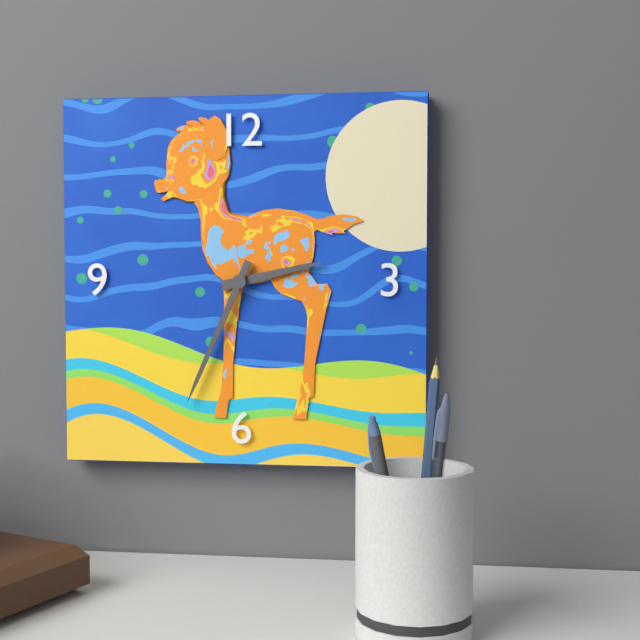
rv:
2 h 34 min
